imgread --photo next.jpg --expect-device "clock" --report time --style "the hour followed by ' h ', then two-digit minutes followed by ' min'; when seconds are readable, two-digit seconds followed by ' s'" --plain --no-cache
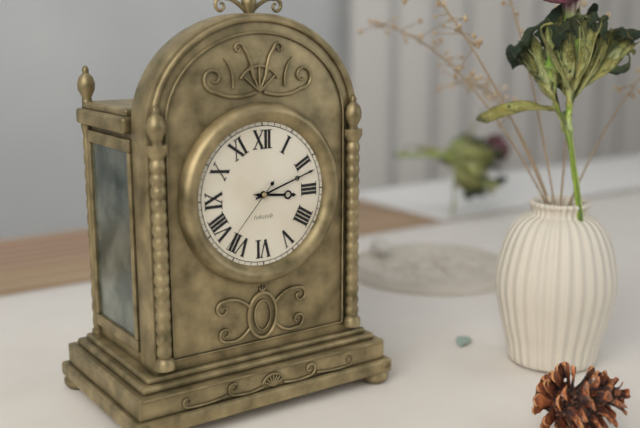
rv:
3 h 12 min 37 s
